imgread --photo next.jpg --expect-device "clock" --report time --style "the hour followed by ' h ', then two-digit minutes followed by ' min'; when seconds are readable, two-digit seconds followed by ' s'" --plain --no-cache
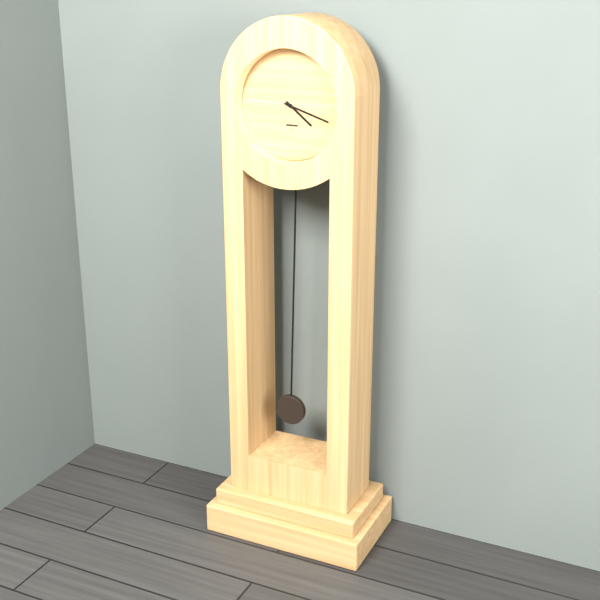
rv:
4 h 18 min
